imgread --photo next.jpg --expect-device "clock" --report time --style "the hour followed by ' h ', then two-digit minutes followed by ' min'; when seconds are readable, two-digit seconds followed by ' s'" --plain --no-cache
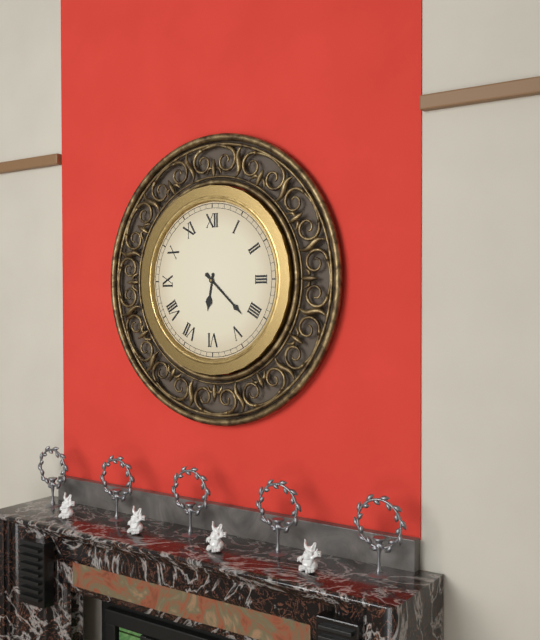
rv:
6 h 22 min
